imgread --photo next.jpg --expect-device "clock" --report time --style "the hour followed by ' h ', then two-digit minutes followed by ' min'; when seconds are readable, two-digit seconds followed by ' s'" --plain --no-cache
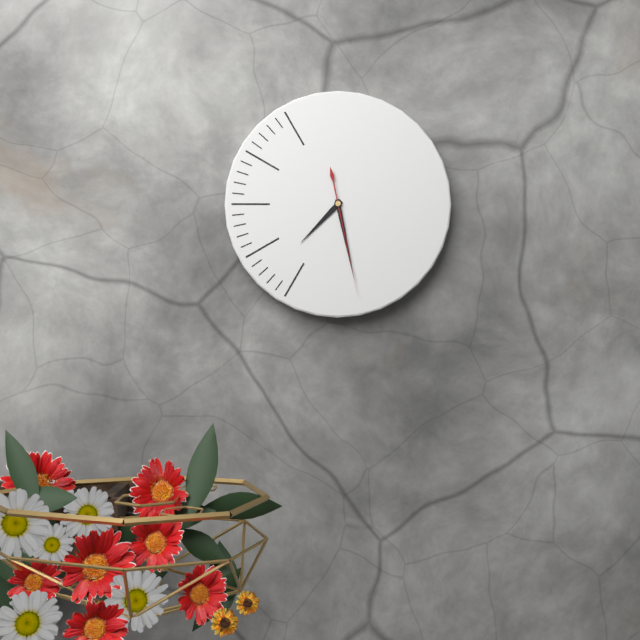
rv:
7 h 28 min 28 s
